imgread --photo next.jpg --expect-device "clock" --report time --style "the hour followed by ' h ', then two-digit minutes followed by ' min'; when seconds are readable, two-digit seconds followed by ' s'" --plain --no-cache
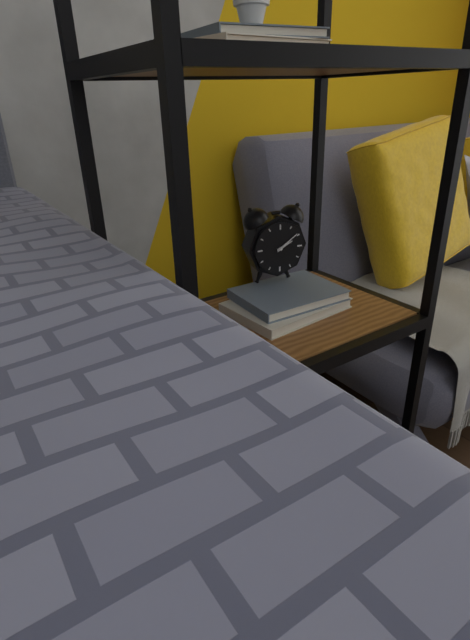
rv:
2 h 09 min
